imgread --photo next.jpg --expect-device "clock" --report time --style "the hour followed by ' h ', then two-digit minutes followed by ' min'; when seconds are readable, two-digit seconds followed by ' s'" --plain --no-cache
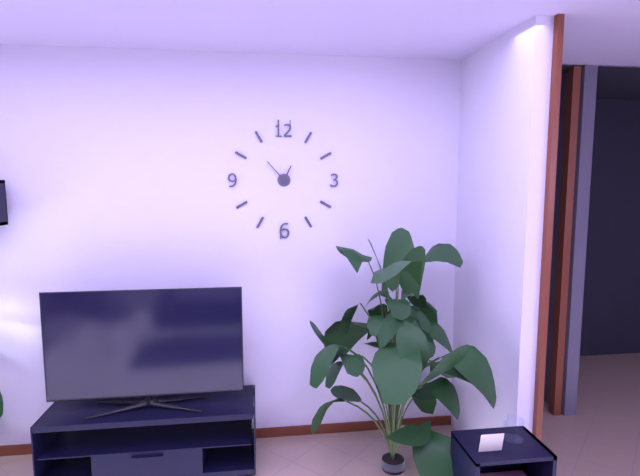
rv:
12 h 53 min
